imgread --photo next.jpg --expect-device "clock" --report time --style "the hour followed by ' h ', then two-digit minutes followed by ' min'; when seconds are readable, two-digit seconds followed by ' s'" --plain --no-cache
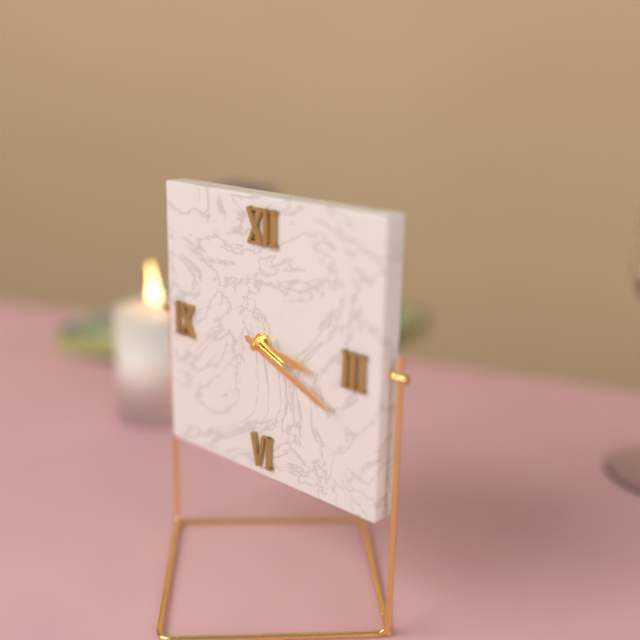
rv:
3 h 19 min
